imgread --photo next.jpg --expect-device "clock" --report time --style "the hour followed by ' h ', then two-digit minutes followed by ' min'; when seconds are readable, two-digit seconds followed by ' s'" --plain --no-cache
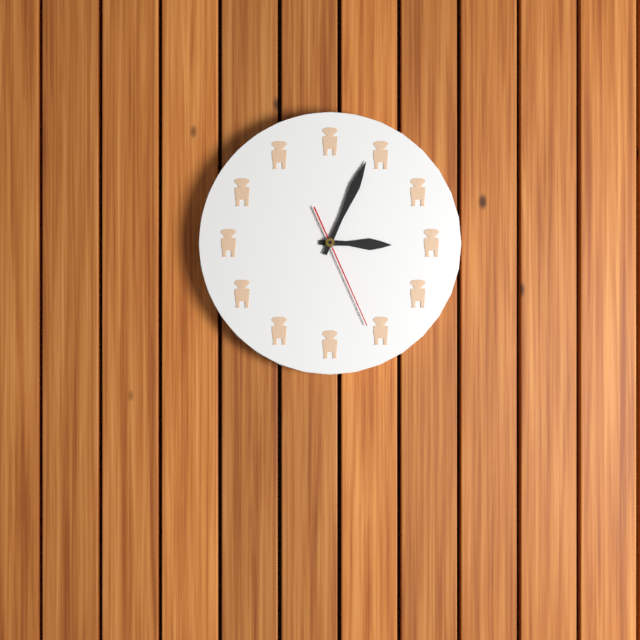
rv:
3 h 04 min 26 s
